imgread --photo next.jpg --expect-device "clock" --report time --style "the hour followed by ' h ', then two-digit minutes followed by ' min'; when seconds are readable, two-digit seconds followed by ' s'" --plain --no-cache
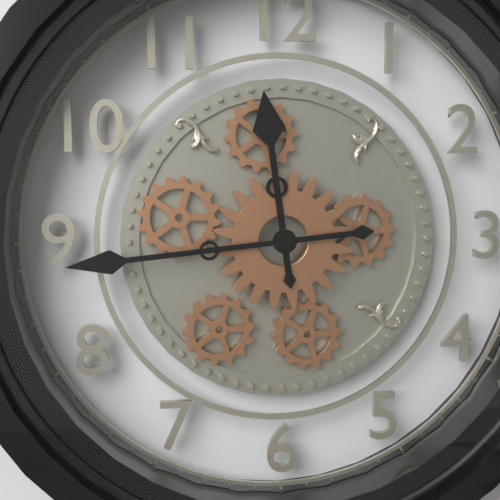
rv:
11 h 44 min
